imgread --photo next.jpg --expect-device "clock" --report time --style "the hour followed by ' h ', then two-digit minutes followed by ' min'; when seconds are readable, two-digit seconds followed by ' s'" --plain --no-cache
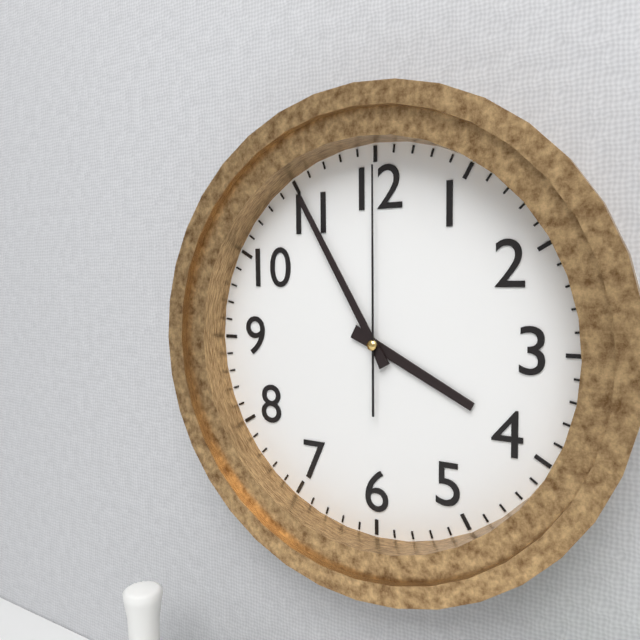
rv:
3 h 55 min 00 s
